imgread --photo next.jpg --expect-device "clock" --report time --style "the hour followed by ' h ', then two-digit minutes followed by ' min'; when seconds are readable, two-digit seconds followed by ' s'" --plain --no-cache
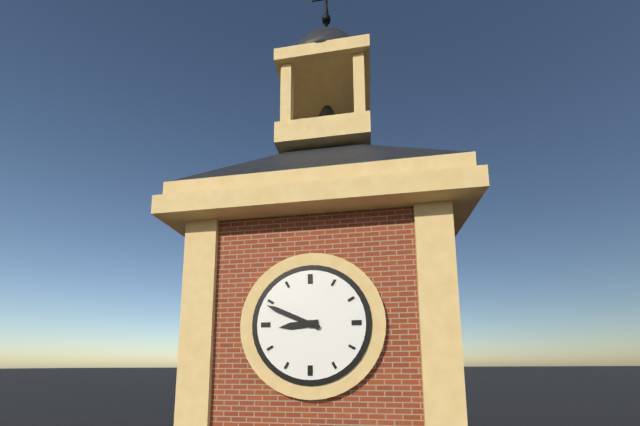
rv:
8 h 49 min
